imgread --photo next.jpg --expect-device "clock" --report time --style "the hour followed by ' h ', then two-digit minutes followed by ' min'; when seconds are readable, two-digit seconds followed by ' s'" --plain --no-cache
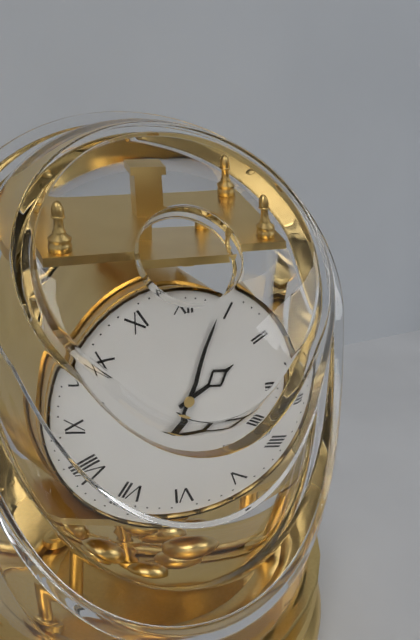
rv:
2 h 04 min
